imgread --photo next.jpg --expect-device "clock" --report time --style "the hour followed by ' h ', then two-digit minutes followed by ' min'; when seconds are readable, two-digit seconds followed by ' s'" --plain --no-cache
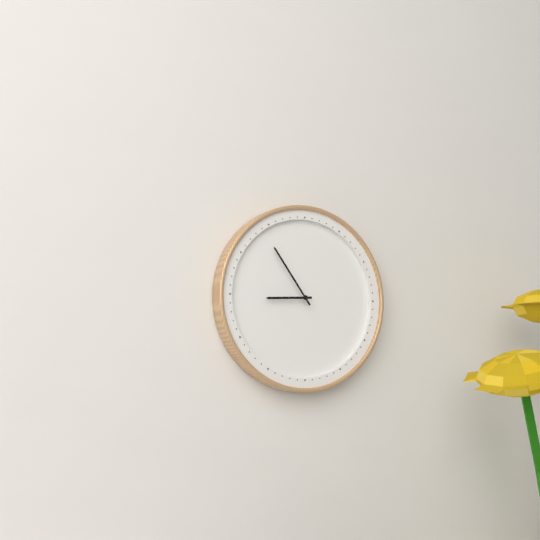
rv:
8 h 54 min
